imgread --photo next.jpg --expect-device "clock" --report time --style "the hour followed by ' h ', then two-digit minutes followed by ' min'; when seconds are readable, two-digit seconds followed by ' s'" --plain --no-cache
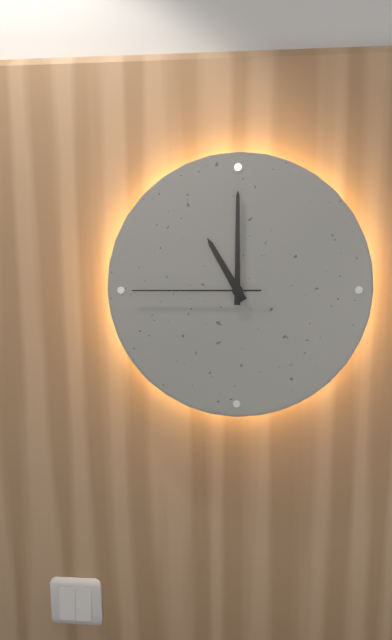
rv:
11 h 00 min 45 s
